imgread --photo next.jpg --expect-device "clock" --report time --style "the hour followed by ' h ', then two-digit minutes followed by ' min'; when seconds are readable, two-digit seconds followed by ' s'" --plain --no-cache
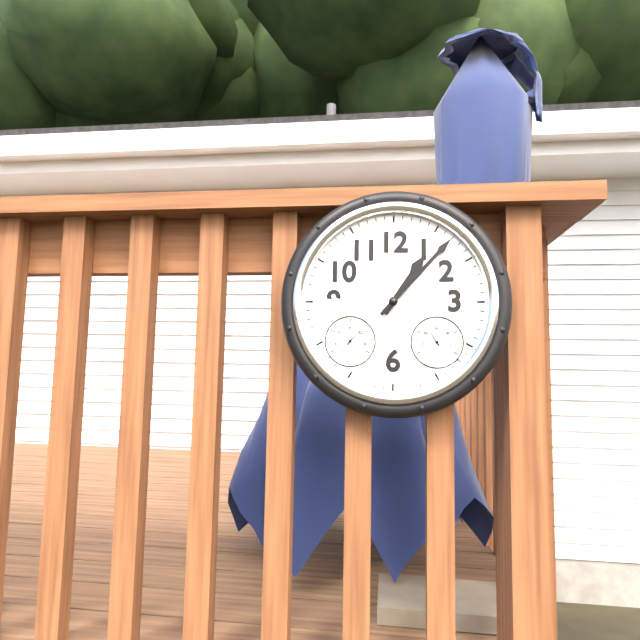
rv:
1 h 07 min
